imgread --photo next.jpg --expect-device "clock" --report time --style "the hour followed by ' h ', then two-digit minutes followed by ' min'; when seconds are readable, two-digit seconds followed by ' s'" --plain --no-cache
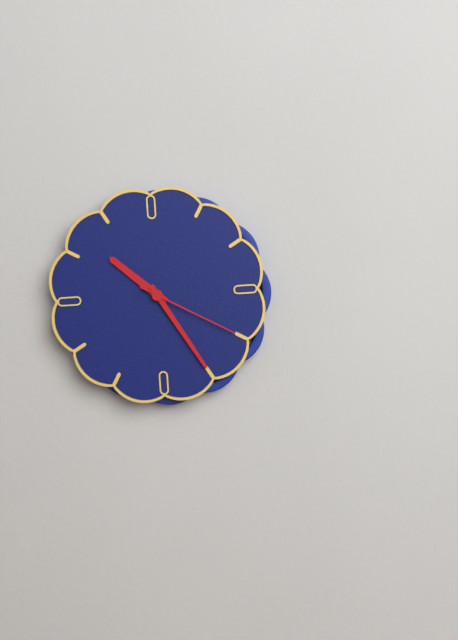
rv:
10 h 25 min 20 s
